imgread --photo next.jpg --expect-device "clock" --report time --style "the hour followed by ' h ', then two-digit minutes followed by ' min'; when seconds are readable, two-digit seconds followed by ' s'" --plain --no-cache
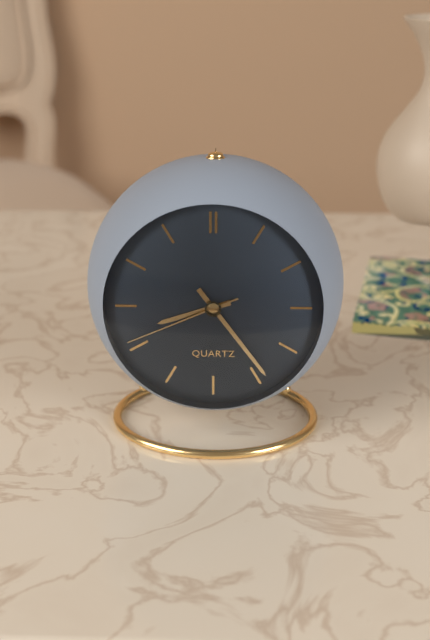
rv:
8 h 24 min 41 s
